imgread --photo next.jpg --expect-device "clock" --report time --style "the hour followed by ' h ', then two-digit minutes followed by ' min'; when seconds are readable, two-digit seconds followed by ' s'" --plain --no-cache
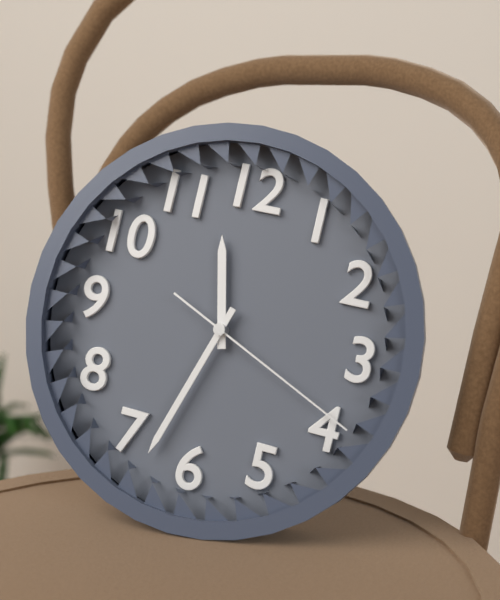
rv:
11 h 33 min 19 s
